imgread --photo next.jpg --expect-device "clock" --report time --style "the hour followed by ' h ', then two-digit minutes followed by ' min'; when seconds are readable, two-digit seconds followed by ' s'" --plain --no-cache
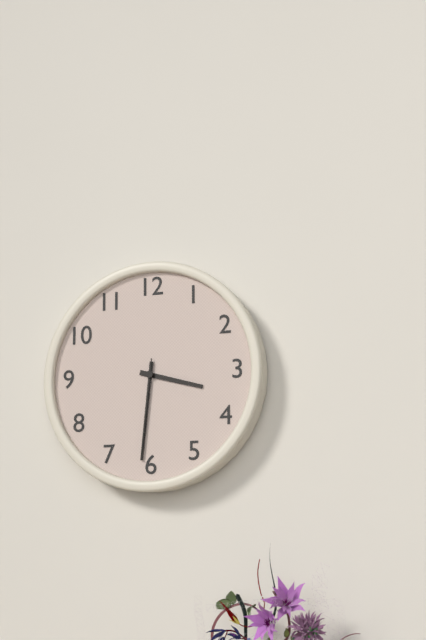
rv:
3 h 31 min 31 s
